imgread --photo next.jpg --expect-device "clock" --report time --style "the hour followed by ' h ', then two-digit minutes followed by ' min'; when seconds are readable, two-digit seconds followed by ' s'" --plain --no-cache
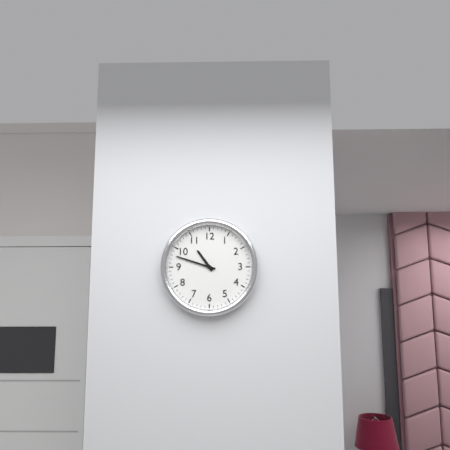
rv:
10 h 48 min
